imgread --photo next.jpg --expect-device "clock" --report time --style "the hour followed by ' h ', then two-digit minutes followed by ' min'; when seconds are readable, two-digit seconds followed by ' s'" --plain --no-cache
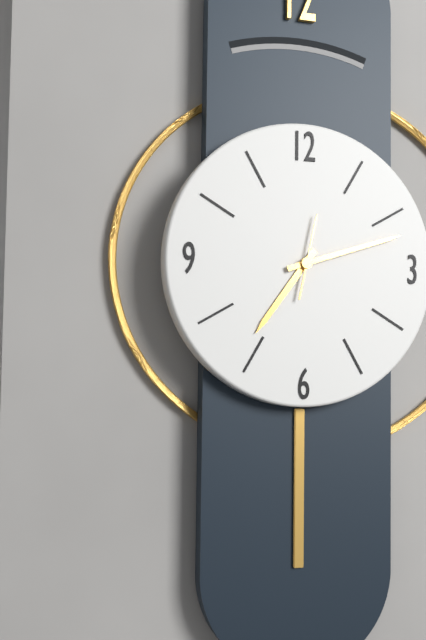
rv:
7 h 12 min 02 s
